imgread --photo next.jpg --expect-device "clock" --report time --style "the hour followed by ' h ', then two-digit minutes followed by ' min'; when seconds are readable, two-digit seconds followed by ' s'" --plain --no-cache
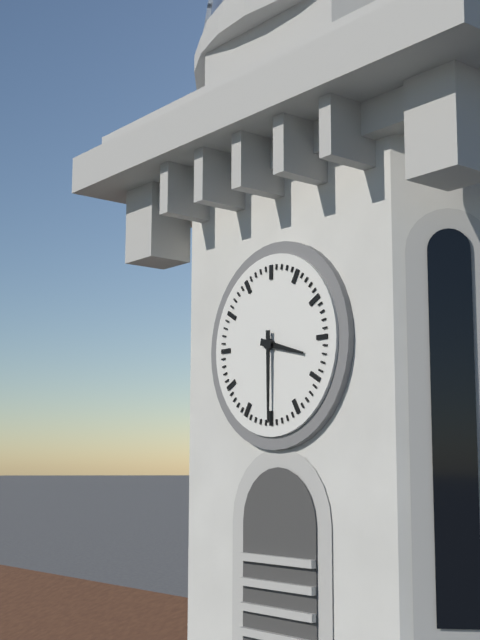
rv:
3 h 30 min
